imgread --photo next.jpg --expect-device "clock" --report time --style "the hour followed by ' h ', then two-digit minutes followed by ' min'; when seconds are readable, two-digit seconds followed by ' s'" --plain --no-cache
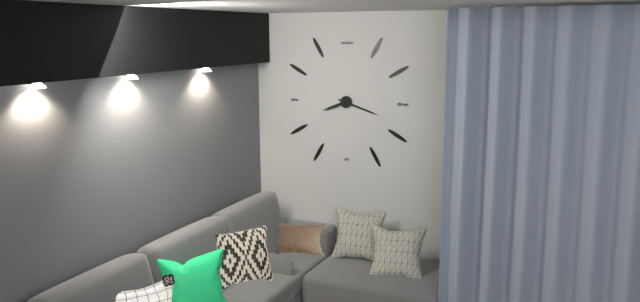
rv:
8 h 18 min
